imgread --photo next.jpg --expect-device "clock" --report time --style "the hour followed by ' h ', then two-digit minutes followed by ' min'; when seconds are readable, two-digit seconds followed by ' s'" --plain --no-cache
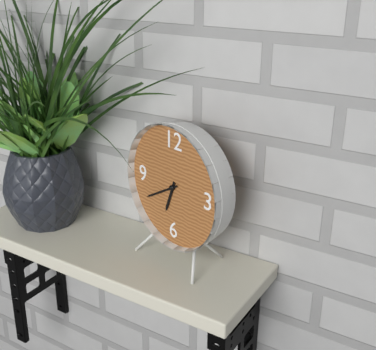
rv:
6 h 40 min
